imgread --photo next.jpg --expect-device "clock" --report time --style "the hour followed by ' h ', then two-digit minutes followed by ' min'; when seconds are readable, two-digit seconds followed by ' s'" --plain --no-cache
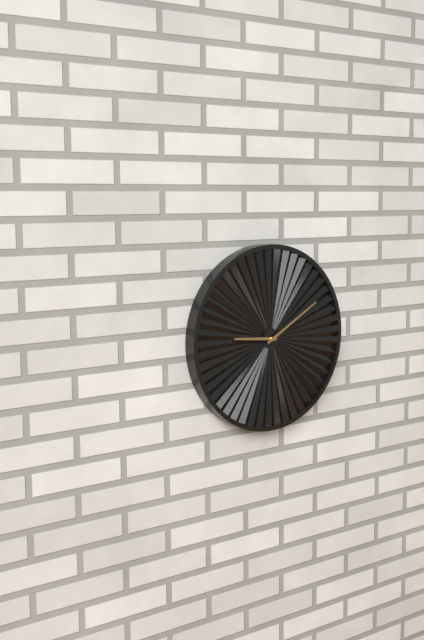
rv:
9 h 10 min
